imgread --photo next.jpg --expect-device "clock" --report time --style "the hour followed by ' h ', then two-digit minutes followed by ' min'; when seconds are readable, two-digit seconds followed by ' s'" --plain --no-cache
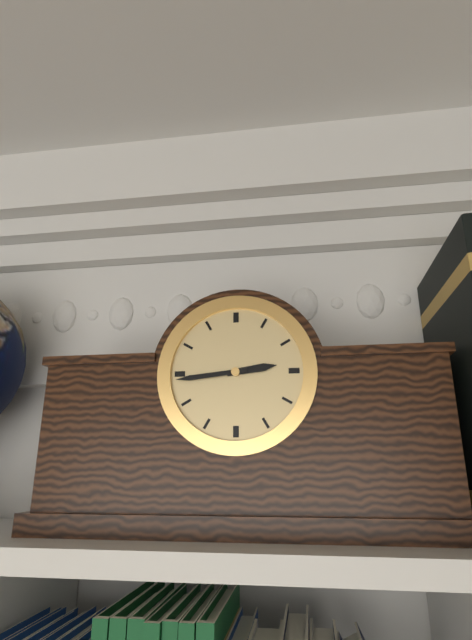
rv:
2 h 44 min
